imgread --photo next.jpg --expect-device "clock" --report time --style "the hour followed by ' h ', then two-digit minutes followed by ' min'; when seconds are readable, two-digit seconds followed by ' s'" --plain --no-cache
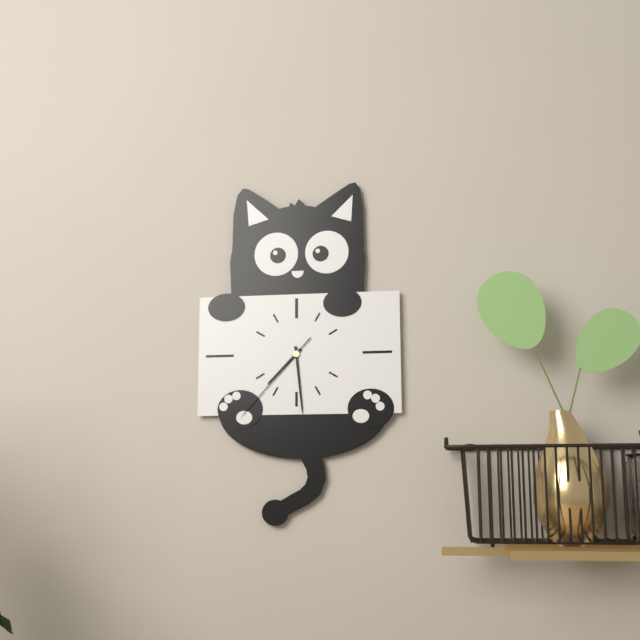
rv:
7 h 29 min 37 s
